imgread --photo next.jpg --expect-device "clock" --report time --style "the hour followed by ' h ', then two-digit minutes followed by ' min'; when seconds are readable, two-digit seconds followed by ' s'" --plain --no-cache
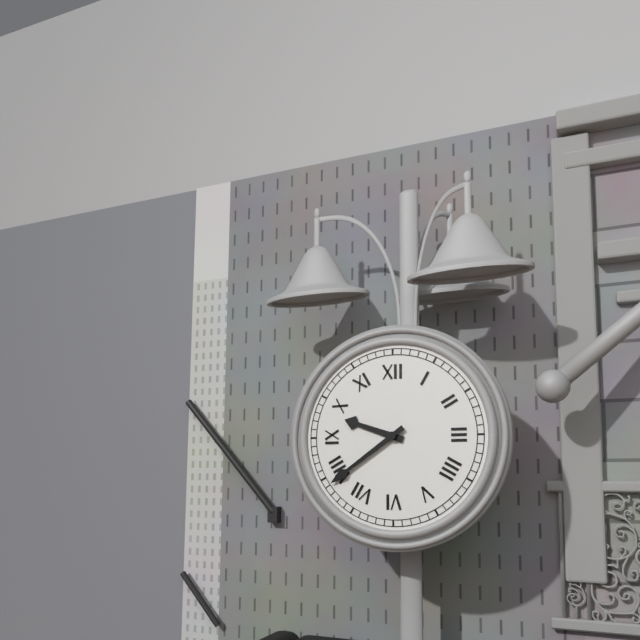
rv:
9 h 39 min
